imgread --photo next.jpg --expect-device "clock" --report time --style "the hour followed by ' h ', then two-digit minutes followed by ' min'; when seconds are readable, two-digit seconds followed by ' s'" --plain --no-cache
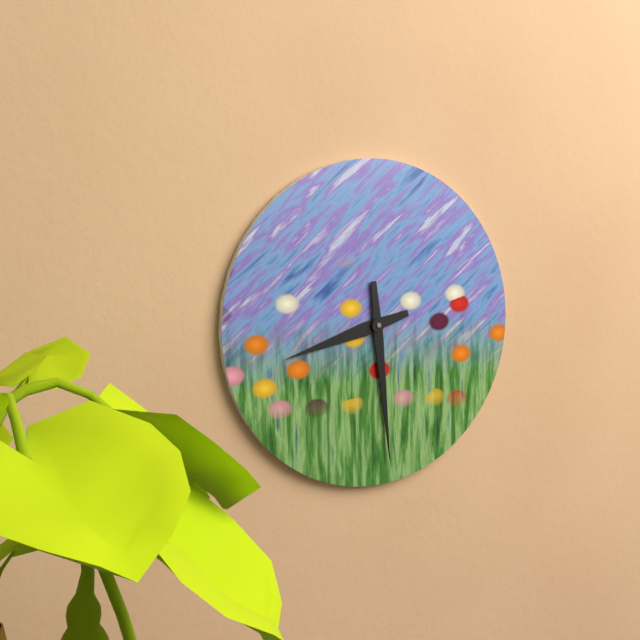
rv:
8 h 29 min
